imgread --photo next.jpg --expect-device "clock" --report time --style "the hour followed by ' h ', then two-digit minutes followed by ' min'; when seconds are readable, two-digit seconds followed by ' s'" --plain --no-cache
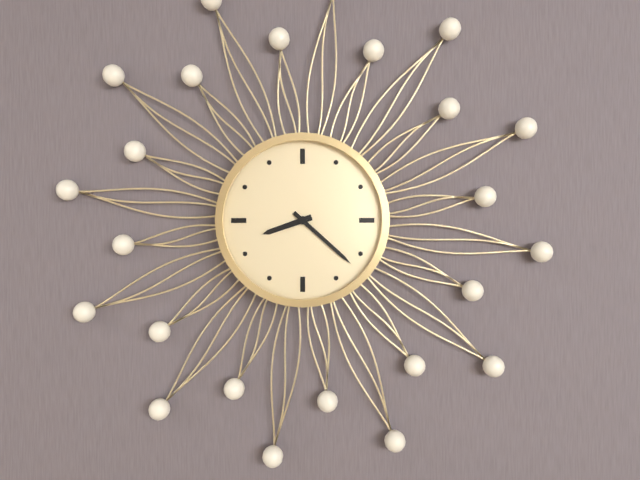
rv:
8 h 22 min
